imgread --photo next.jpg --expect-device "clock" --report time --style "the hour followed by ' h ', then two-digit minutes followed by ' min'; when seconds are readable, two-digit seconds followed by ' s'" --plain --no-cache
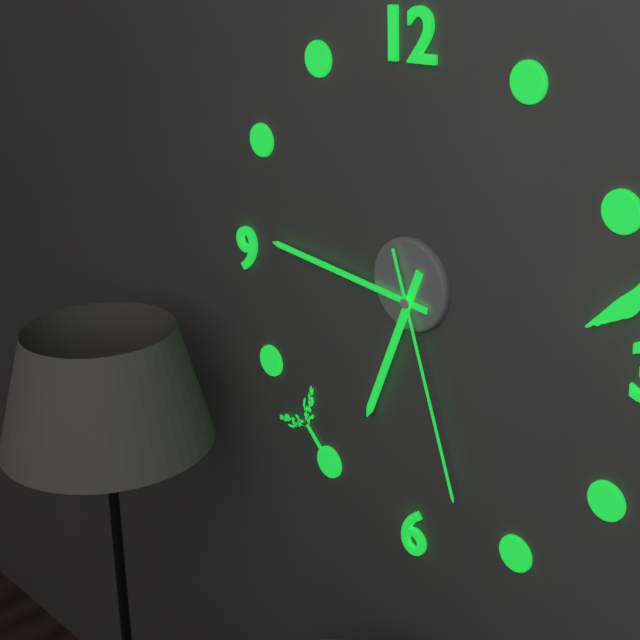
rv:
6 h 46 min 27 s
